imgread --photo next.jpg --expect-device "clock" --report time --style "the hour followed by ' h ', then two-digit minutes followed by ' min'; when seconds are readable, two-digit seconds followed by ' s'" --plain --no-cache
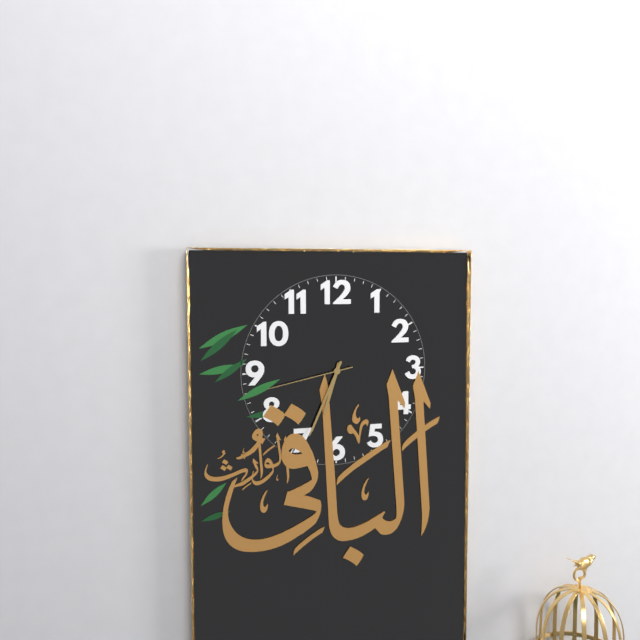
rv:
6 h 34 min 43 s
